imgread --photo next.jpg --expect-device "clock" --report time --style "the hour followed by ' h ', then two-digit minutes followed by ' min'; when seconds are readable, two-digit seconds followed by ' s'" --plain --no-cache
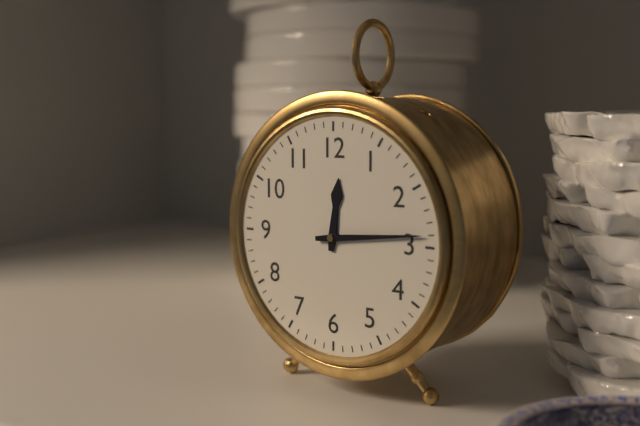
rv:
12 h 14 min
